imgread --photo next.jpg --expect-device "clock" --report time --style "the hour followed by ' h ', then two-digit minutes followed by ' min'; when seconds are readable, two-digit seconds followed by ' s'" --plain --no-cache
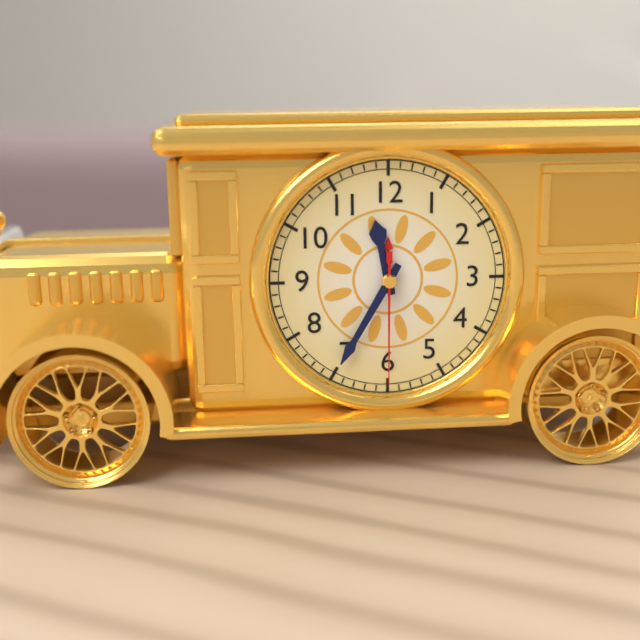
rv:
11 h 35 min 30 s
